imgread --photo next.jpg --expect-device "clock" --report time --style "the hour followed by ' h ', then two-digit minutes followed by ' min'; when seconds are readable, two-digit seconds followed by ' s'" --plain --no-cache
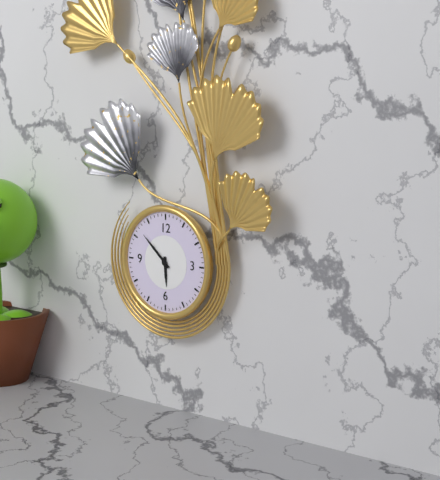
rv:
5 h 52 min
